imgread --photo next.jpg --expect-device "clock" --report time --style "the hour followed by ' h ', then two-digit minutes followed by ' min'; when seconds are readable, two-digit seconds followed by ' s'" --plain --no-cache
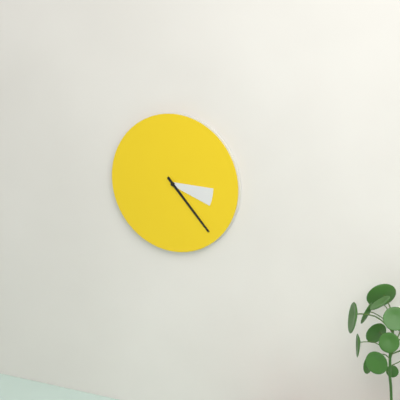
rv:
3 h 23 min
